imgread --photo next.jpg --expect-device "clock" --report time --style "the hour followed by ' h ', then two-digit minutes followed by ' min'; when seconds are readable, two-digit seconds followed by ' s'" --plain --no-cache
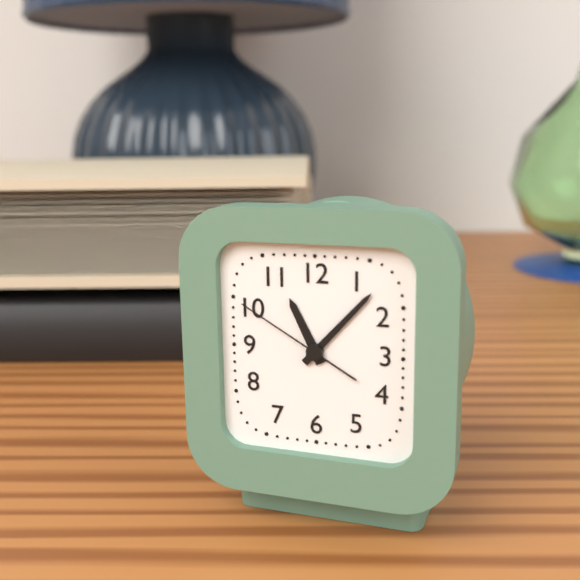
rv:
11 h 07 min 50 s
